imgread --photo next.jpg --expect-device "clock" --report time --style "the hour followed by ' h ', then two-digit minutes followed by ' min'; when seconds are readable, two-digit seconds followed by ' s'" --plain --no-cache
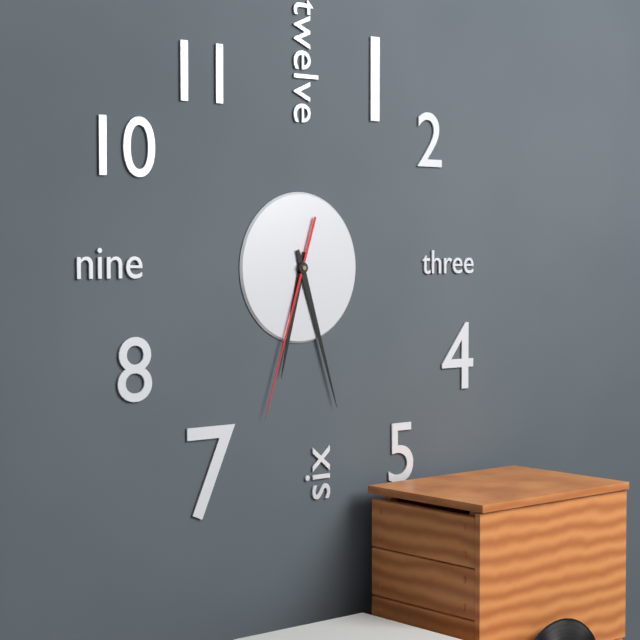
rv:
6 h 27 min 33 s
